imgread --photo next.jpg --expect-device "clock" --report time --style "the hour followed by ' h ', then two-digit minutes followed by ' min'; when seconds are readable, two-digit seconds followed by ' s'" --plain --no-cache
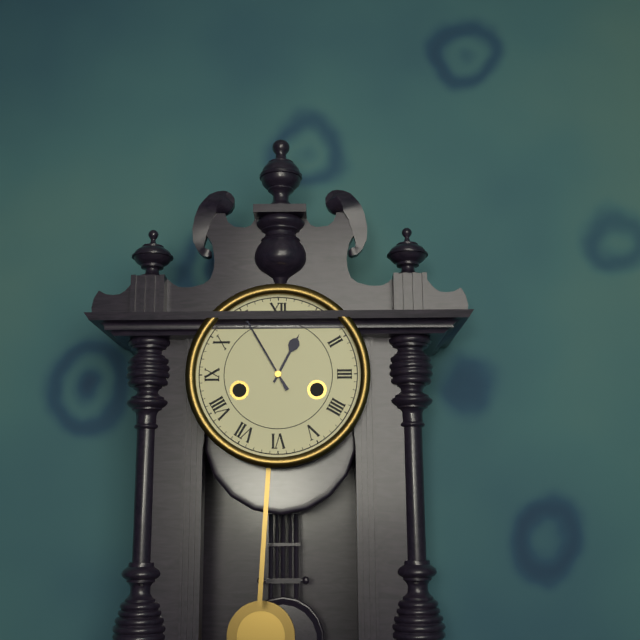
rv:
12 h 55 min
